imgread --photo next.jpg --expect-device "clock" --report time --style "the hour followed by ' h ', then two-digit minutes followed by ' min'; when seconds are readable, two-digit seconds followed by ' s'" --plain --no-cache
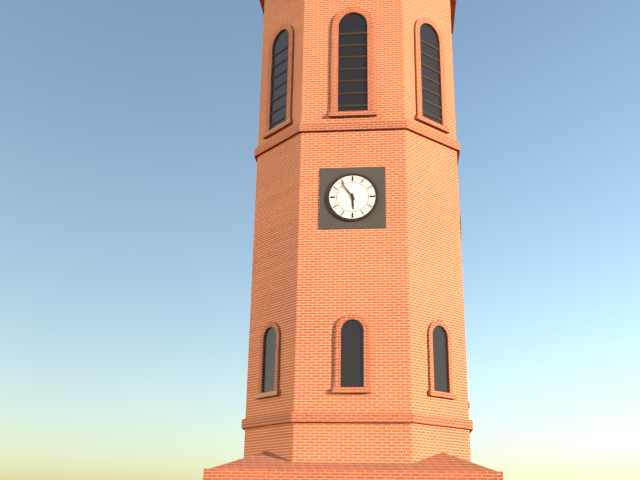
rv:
5 h 54 min
